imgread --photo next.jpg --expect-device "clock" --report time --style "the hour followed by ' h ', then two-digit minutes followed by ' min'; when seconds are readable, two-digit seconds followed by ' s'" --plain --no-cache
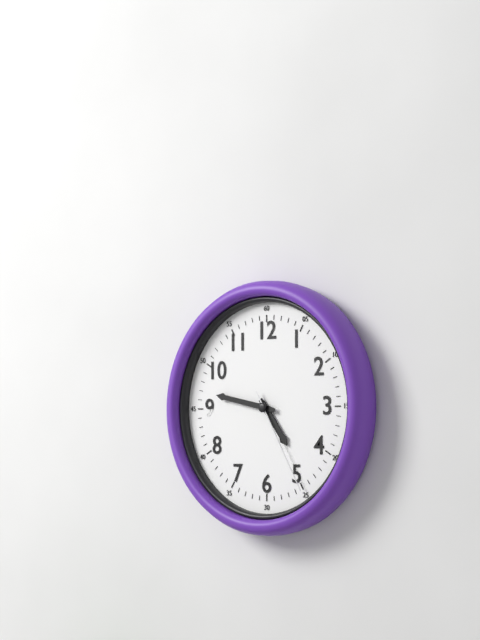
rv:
4 h 47 min 25 s
